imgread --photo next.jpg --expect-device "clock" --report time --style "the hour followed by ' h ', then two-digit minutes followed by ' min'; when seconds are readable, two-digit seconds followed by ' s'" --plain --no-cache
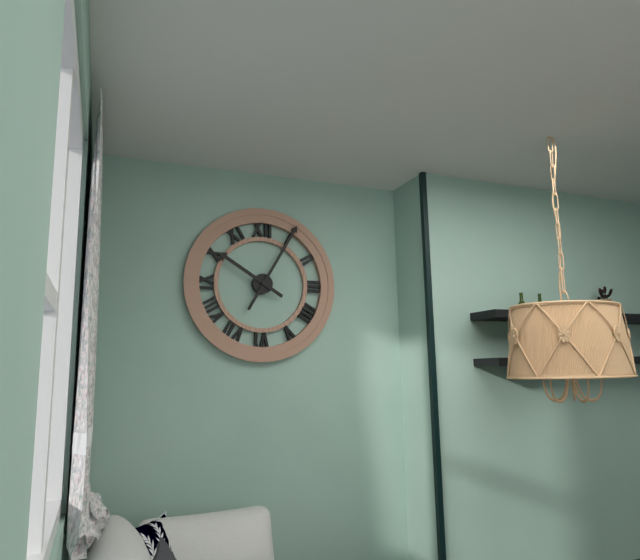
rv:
10 h 05 min
